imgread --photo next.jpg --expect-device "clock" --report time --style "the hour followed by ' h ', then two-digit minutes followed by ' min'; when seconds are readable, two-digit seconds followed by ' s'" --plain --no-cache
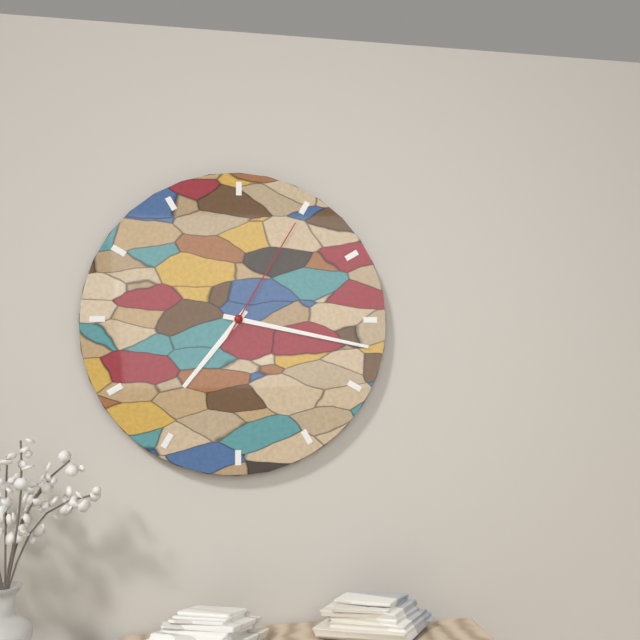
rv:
7 h 17 min 05 s
